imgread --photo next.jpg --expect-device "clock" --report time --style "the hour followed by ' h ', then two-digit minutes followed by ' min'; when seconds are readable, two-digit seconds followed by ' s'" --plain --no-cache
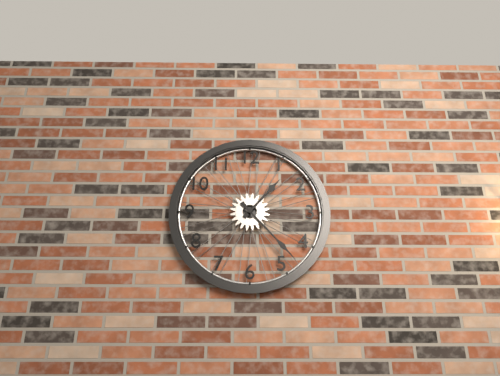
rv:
1 h 23 min
